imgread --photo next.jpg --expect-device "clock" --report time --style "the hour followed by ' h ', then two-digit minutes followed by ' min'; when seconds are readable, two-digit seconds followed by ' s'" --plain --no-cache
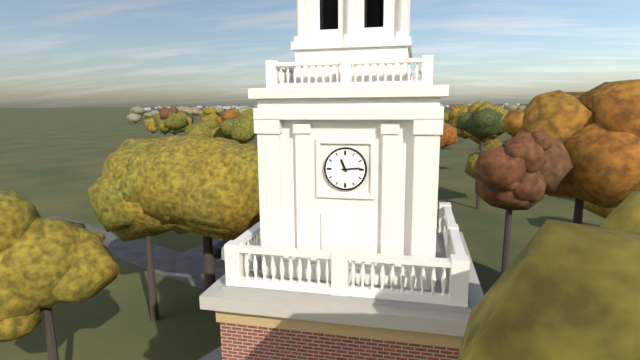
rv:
11 h 14 min
